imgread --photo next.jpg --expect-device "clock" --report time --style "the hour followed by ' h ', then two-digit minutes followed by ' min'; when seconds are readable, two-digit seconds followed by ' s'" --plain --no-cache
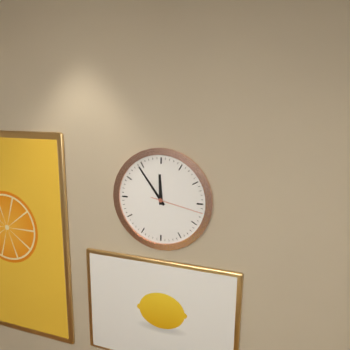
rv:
11 h 54 min 17 s
